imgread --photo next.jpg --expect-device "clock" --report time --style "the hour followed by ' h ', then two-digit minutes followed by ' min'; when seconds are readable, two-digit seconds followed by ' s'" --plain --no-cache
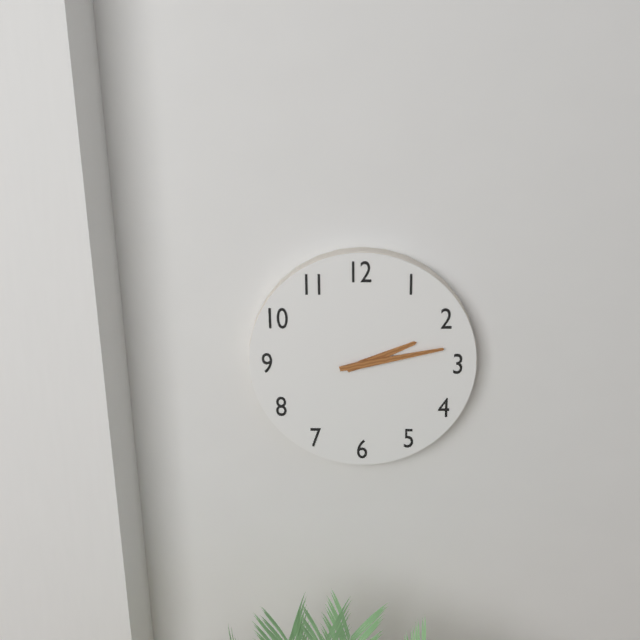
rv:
2 h 13 min
